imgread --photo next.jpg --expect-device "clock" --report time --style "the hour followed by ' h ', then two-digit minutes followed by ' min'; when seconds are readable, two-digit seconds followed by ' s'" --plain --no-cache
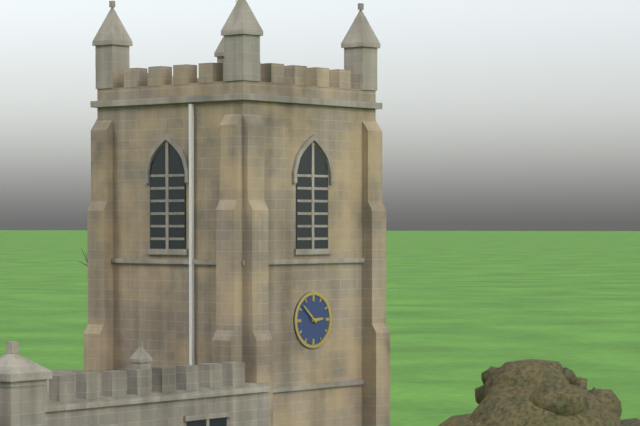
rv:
2 h 52 min
